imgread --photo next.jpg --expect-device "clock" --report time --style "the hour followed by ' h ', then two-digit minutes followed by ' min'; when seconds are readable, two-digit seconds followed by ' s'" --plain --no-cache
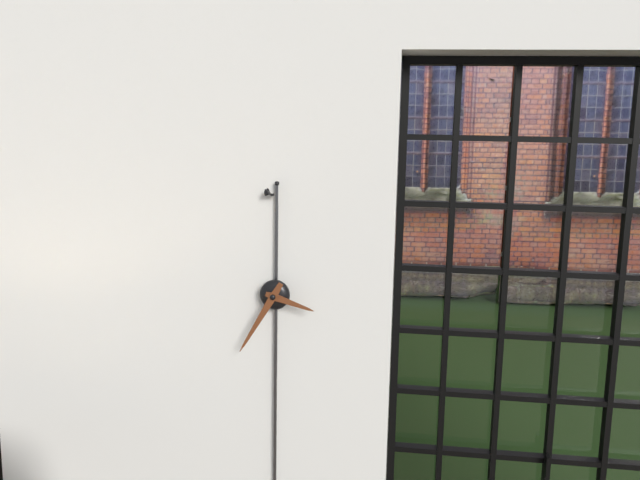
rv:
3 h 35 min
